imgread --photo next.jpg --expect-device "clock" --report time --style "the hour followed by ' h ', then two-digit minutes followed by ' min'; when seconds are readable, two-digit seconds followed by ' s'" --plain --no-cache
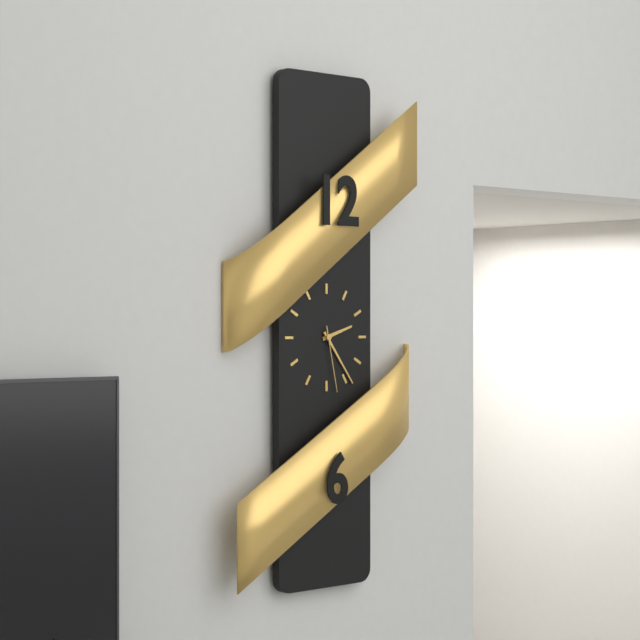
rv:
2 h 24 min 28 s
